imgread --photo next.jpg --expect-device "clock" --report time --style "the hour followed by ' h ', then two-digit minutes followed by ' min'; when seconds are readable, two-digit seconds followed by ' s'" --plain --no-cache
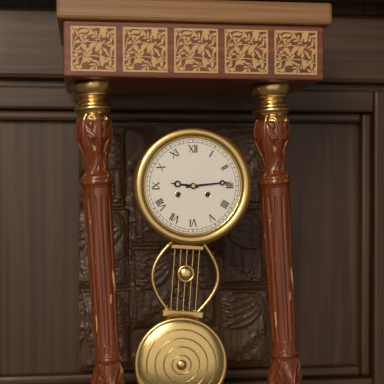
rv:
9 h 14 min
